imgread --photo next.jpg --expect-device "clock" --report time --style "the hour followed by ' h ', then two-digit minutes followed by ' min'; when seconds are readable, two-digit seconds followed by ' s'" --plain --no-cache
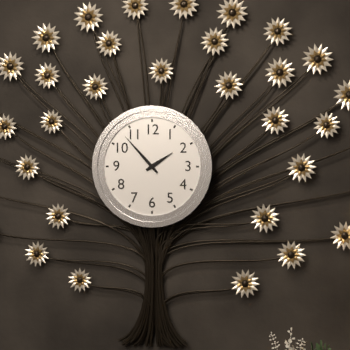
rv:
1 h 53 min
